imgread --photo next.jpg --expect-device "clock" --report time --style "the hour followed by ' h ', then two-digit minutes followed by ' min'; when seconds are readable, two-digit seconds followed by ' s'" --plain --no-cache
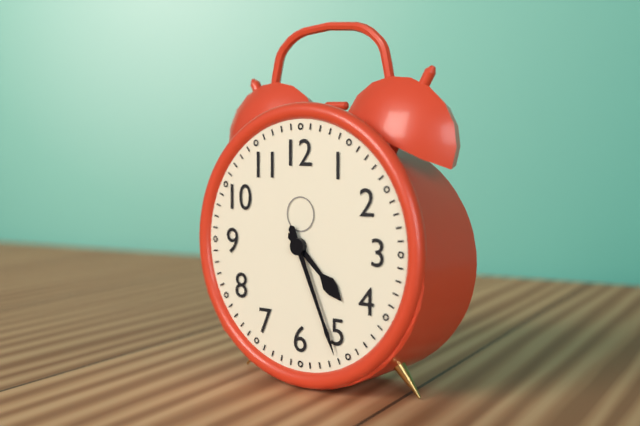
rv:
4 h 26 min
